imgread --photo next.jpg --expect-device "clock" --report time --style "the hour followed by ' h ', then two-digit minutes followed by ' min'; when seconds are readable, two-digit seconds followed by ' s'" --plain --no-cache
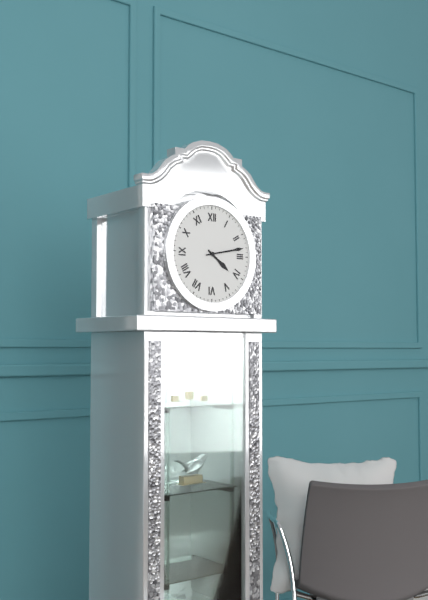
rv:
4 h 13 min
